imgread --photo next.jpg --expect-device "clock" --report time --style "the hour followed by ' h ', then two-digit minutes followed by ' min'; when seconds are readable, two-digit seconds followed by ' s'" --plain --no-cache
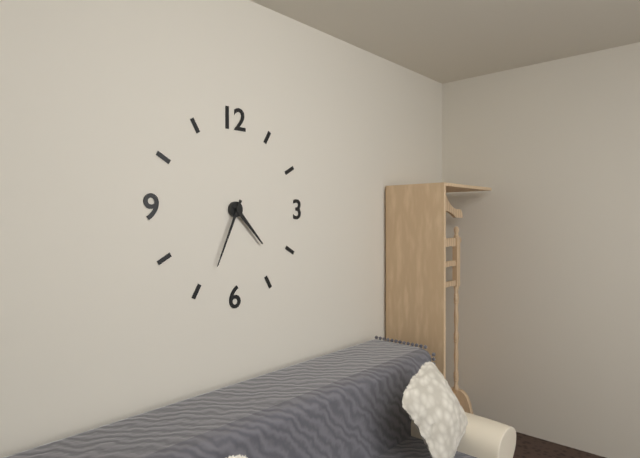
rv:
4 h 34 min
